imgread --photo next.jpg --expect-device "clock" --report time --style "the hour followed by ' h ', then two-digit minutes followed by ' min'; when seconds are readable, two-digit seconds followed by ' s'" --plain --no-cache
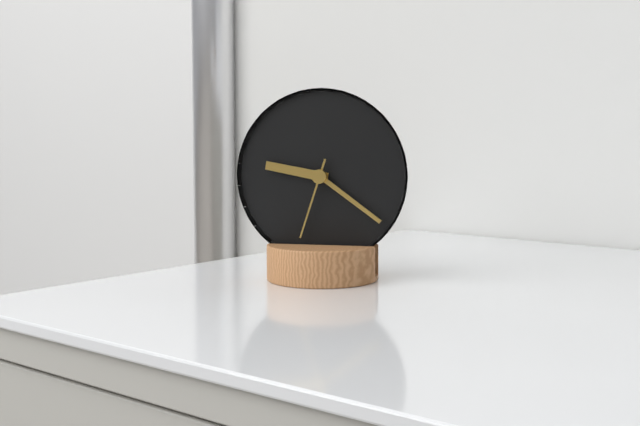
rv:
9 h 21 min 33 s
